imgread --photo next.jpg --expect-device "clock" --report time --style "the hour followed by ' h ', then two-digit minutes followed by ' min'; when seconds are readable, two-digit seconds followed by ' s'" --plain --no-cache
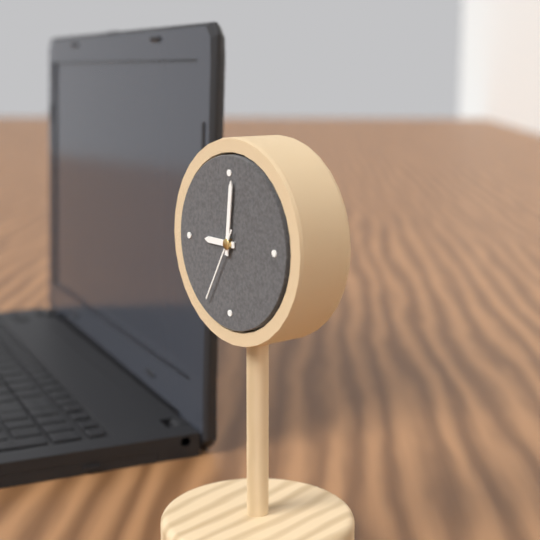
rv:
9 h 01 min 35 s
